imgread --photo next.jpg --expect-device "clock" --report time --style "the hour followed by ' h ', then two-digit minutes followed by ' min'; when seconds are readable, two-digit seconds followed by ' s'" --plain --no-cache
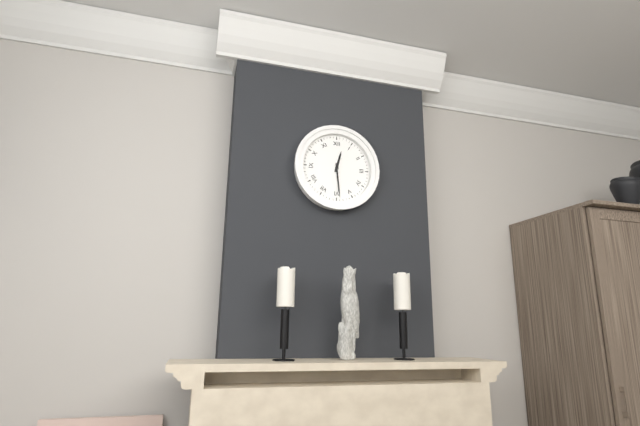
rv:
12 h 29 min
